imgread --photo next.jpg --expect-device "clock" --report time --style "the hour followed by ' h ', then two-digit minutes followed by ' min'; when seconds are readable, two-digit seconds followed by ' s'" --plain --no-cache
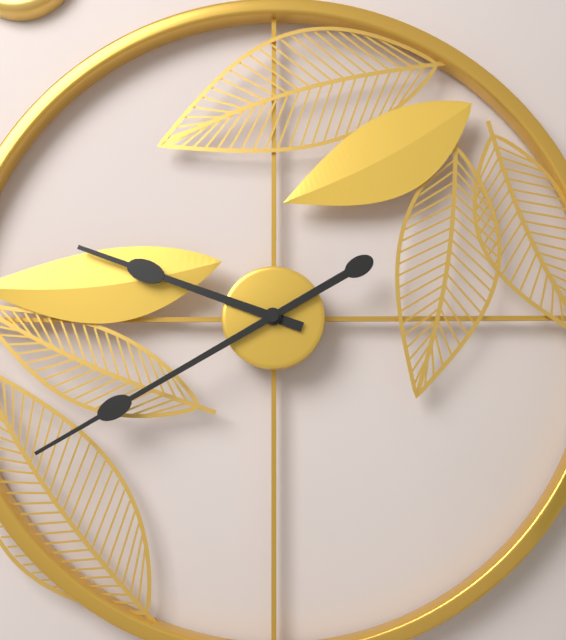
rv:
9 h 40 min
